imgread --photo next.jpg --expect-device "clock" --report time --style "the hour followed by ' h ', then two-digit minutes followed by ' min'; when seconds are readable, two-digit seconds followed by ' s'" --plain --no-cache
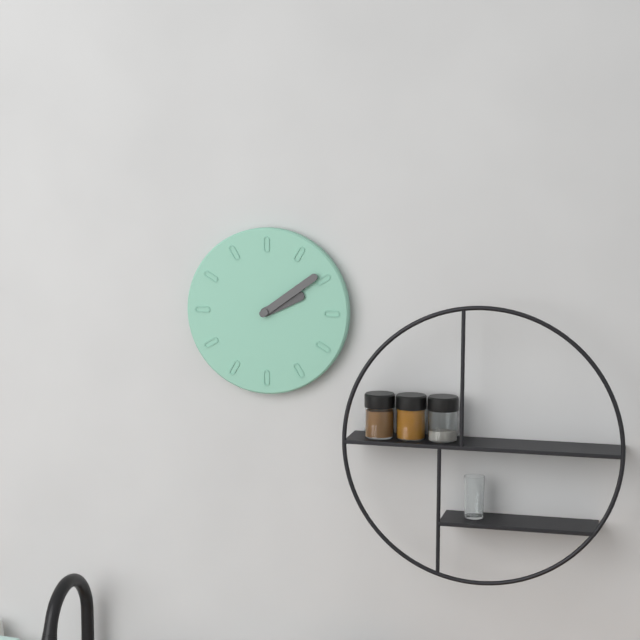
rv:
2 h 09 min
